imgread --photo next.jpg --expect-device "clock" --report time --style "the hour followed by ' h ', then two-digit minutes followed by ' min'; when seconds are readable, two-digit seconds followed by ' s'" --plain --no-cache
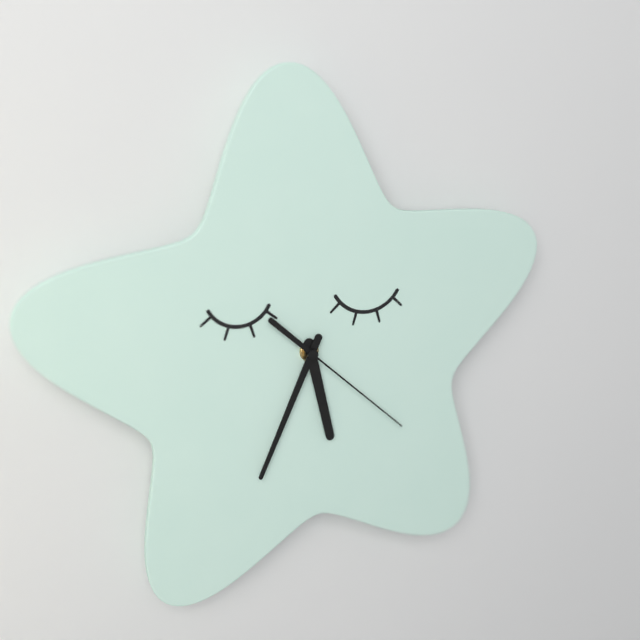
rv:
5 h 34 min 22 s
